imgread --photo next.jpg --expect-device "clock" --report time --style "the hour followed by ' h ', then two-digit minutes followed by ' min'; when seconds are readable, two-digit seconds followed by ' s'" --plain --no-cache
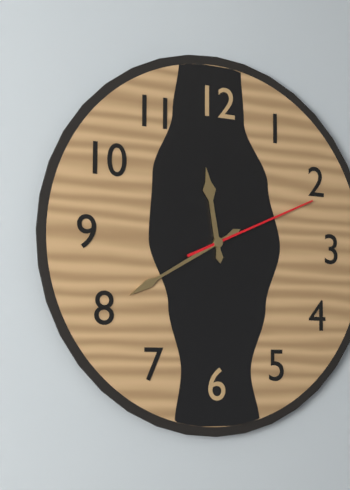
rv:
11 h 40 min 11 s
